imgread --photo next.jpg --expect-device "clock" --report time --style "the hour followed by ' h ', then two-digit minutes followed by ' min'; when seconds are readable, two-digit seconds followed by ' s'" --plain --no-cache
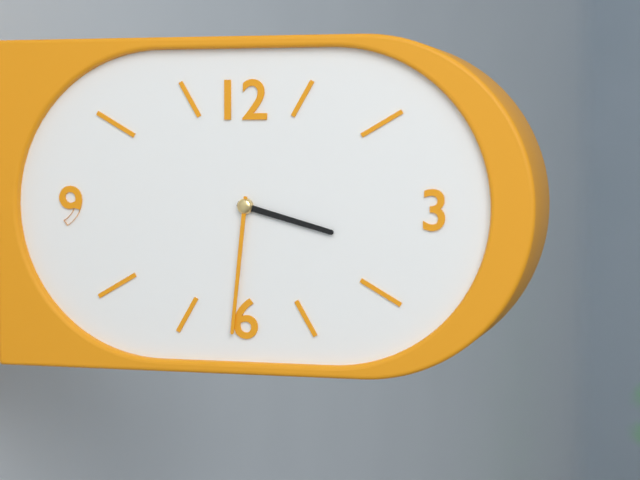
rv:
3 h 31 min
